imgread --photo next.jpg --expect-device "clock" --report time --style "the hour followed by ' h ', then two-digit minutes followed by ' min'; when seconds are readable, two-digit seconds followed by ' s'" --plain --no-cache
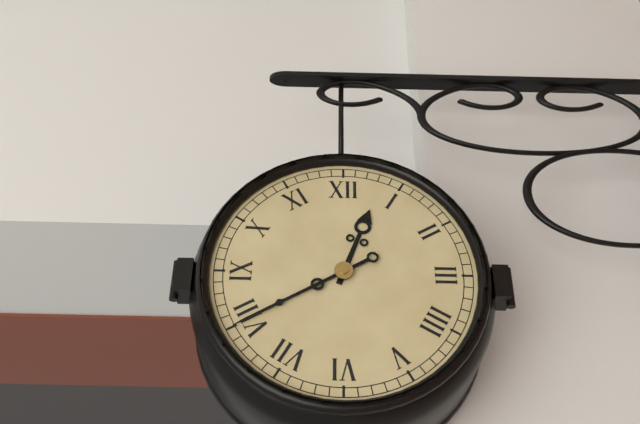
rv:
12 h 40 min
